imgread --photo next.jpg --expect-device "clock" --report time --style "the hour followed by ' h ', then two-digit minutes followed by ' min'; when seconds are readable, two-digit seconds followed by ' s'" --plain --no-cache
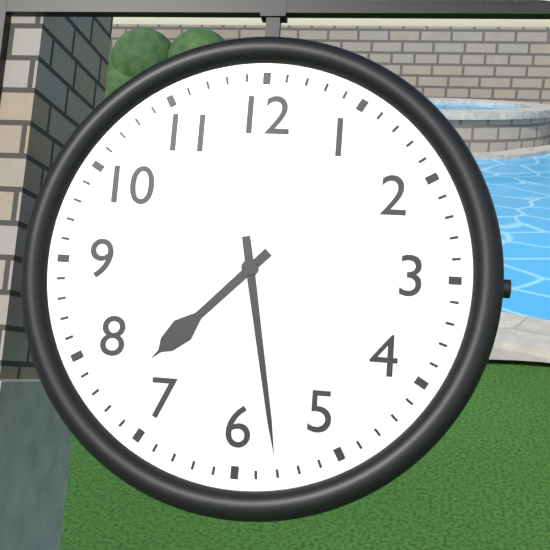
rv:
7 h 28 min
